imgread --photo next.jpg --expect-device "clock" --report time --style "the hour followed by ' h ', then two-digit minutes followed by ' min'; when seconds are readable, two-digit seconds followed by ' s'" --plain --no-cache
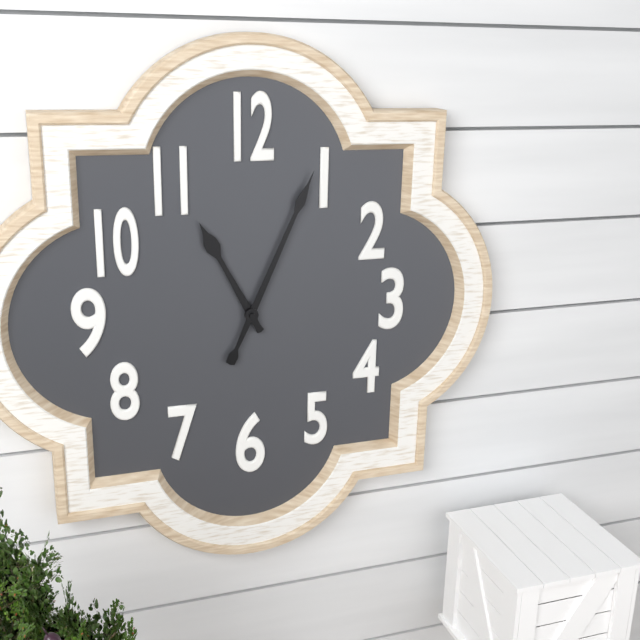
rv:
11 h 04 min
